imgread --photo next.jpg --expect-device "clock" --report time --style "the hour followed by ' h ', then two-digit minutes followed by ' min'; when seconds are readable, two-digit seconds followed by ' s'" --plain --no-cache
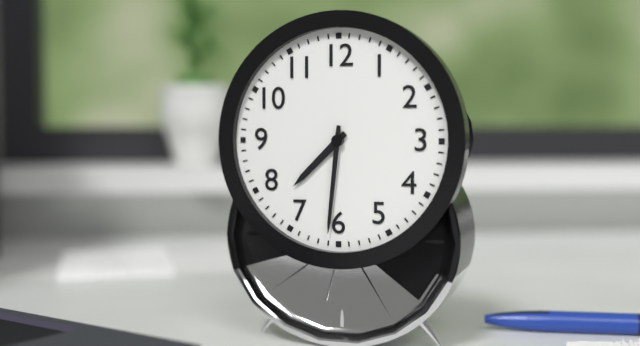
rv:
7 h 31 min
